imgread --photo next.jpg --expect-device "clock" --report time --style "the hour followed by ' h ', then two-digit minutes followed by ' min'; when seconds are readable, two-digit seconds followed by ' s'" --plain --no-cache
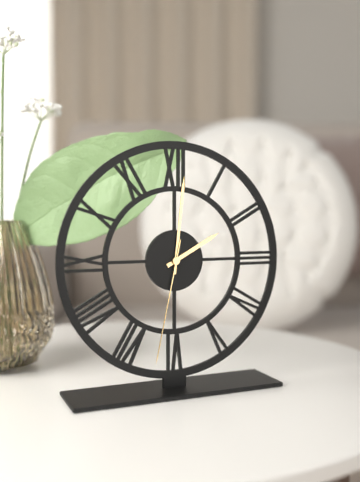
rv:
2 h 01 min 32 s
